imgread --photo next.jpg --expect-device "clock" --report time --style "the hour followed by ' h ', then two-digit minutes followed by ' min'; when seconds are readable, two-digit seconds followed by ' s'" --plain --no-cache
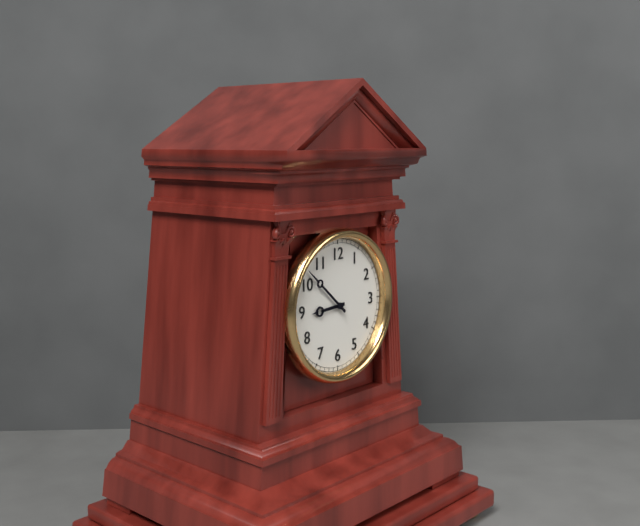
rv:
8 h 52 min
